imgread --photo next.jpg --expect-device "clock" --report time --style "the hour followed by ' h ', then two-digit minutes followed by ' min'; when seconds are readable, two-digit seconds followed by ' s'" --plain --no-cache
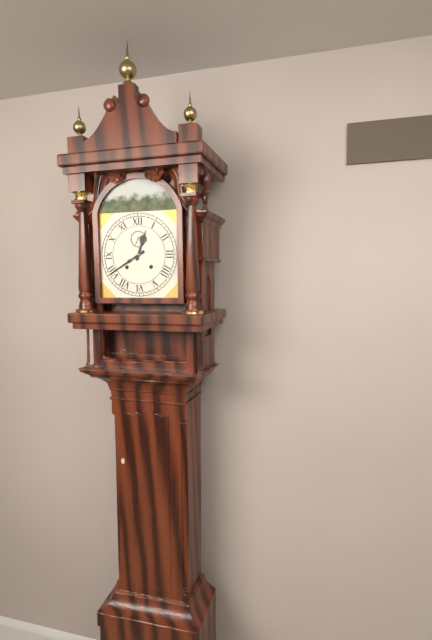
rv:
12 h 40 min
